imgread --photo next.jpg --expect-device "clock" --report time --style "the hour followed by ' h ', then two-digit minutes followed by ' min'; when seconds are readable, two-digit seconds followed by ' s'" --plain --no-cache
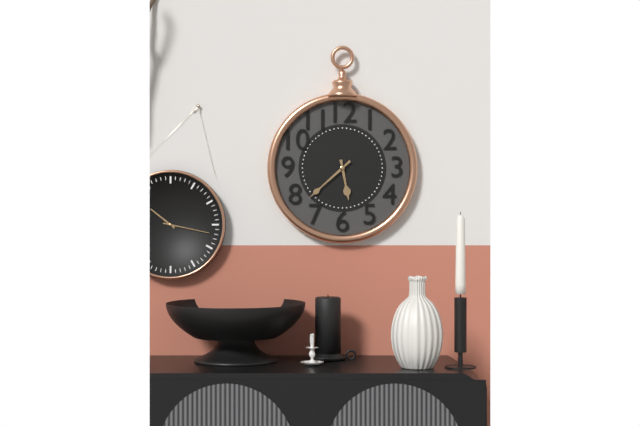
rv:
5 h 38 min
